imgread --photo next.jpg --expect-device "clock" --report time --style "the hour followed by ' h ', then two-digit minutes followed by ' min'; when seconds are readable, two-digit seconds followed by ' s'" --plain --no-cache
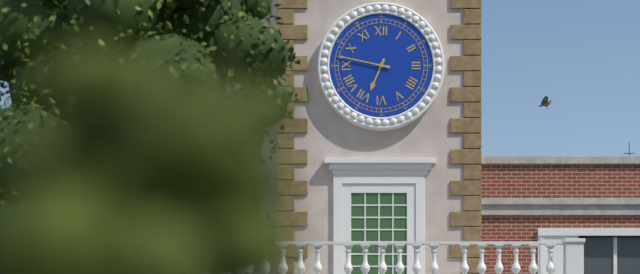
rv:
6 h 47 min
